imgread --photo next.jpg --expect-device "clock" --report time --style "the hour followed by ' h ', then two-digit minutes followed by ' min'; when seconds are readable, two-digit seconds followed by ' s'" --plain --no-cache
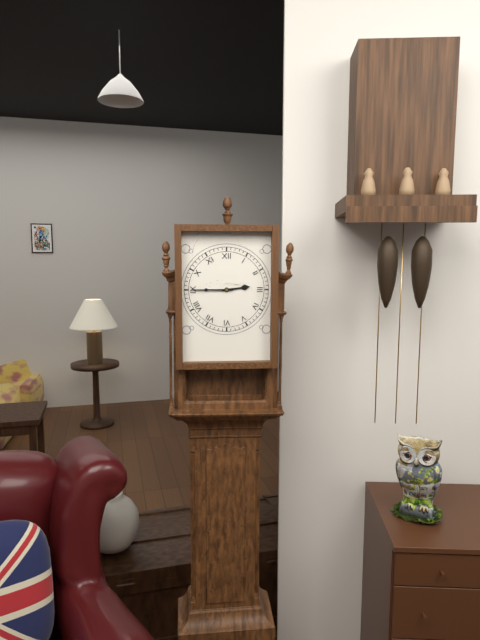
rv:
2 h 45 min
